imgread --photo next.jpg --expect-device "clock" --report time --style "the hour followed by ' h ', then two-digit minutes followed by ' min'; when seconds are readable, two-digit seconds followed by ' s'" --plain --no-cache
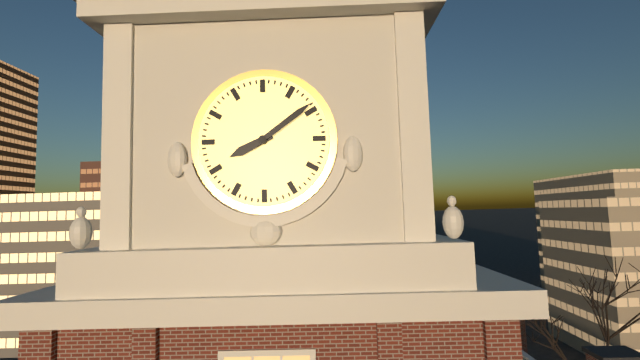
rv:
8 h 09 min
